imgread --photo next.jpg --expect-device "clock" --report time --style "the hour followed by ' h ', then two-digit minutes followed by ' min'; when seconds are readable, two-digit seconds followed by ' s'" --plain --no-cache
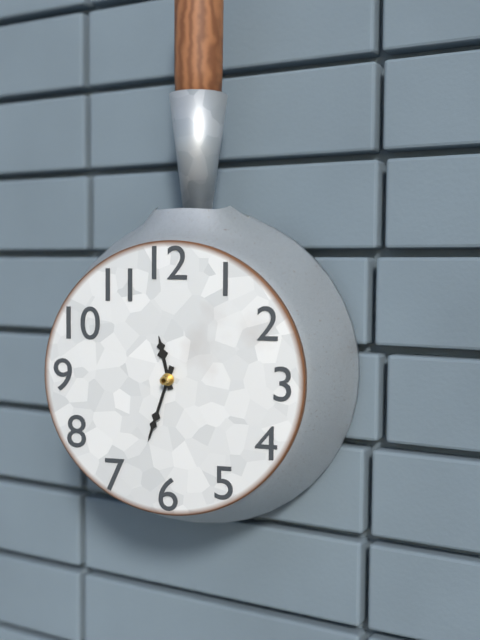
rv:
11 h 33 min
